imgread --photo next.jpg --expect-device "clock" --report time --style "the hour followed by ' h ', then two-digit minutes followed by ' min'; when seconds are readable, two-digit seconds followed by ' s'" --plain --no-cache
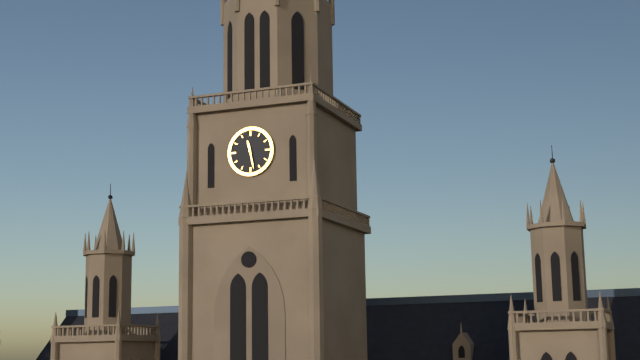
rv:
11 h 28 min
